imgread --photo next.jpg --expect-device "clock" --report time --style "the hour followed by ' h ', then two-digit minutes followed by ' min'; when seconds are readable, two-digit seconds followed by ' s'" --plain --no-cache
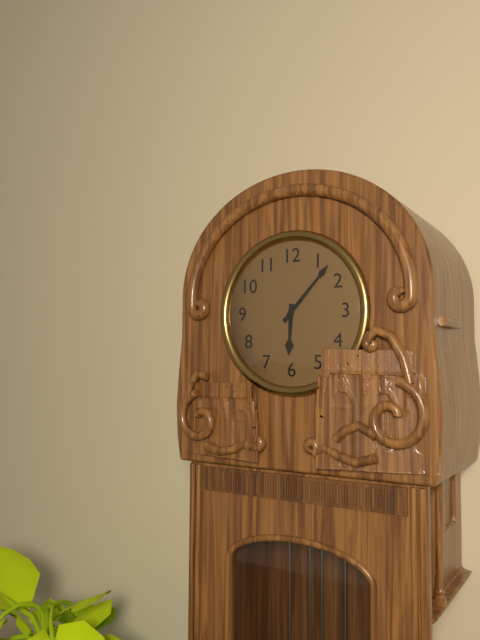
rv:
6 h 07 min
